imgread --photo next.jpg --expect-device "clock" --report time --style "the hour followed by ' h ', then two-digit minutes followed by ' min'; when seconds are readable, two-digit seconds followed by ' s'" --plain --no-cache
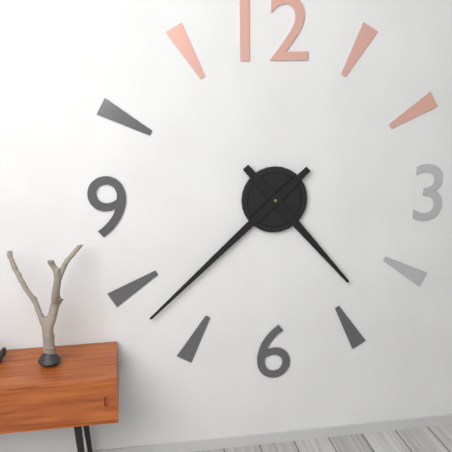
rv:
4 h 38 min
